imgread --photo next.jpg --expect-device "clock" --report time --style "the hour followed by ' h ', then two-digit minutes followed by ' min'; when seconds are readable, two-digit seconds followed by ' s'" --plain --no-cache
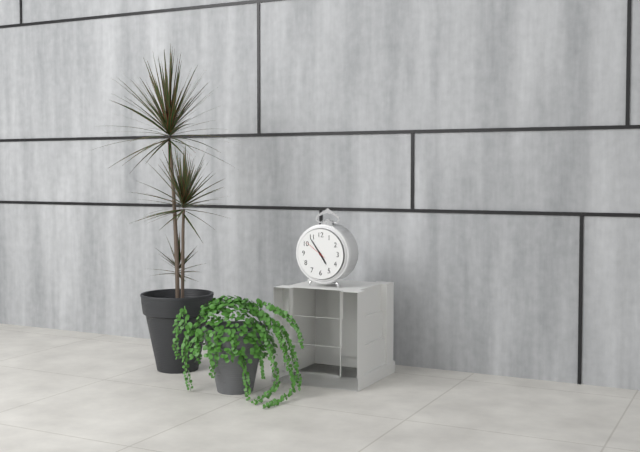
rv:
4 h 54 min
